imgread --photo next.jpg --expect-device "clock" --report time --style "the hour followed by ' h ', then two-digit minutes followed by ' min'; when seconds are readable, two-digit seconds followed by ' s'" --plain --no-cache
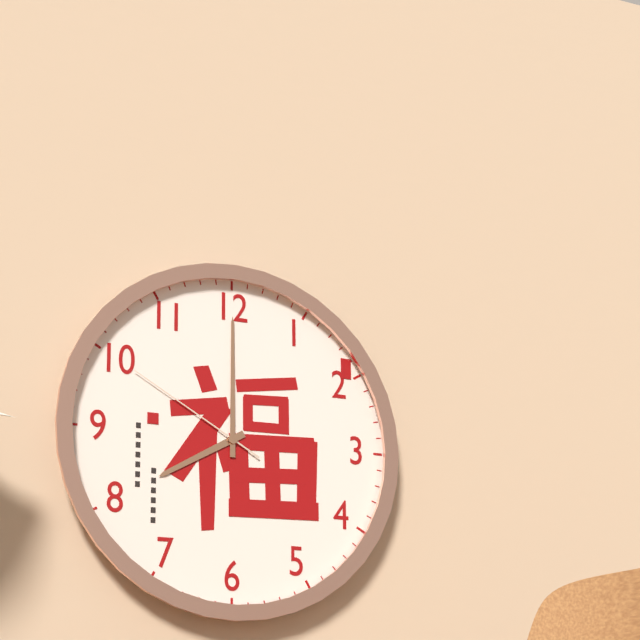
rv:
8 h 00 min 50 s
